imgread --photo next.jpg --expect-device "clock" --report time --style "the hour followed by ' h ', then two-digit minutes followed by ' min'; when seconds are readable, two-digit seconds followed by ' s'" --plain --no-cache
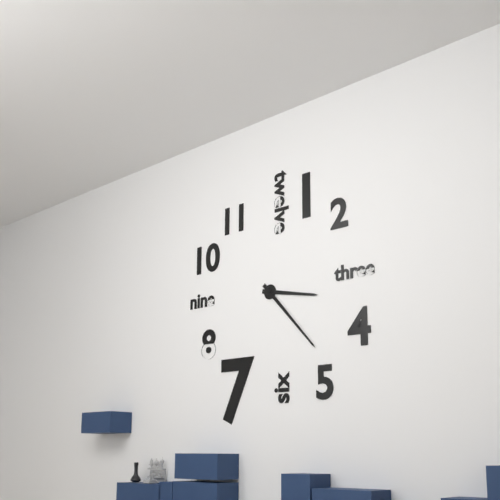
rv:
3 h 23 min
